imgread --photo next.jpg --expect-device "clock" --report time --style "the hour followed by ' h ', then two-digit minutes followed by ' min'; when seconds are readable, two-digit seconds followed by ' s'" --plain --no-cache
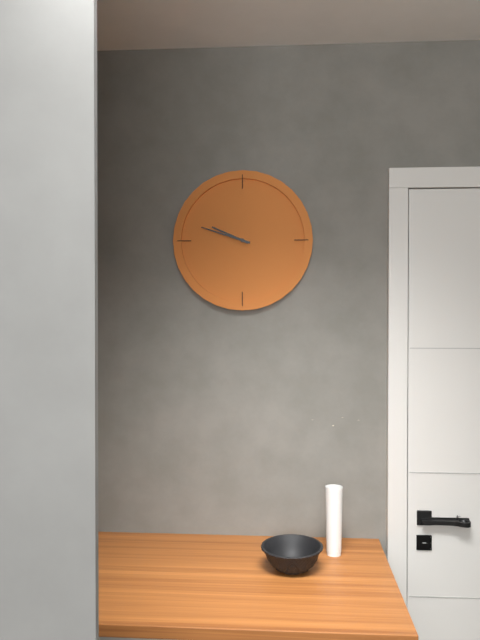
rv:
9 h 48 min
